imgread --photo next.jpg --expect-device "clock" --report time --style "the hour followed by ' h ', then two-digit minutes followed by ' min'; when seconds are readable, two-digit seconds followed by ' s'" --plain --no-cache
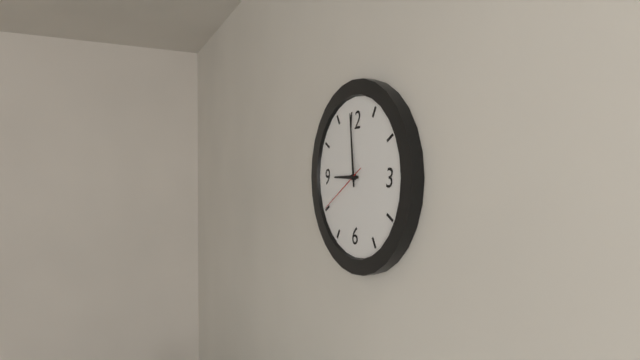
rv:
8 h 59 min 40 s
